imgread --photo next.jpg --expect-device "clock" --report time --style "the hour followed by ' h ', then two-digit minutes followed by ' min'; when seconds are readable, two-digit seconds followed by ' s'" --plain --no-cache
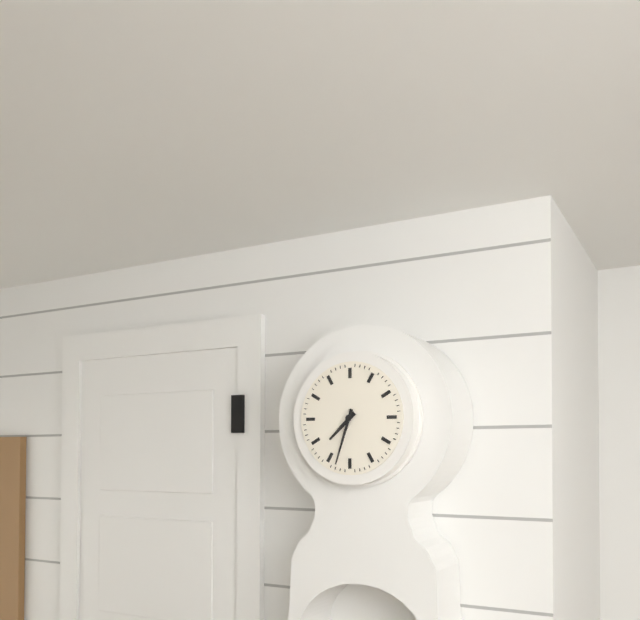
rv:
7 h 33 min
